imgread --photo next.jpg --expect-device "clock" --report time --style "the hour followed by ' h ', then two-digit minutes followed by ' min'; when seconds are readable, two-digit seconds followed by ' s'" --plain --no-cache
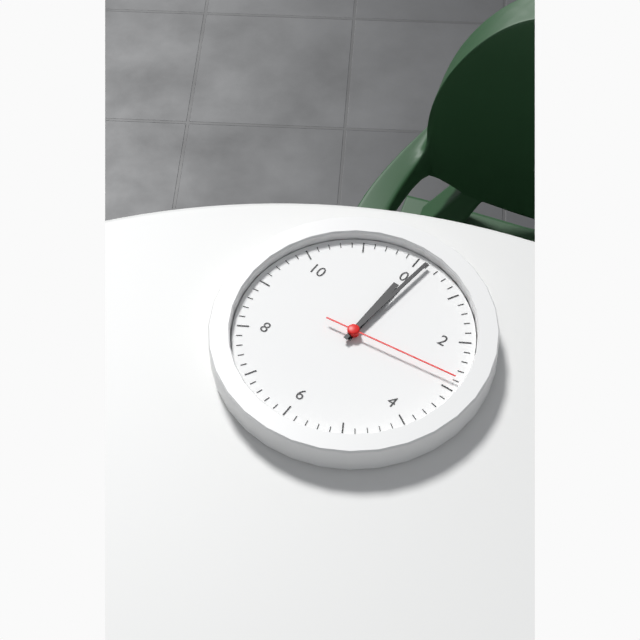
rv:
12 h 01 min 14 s
